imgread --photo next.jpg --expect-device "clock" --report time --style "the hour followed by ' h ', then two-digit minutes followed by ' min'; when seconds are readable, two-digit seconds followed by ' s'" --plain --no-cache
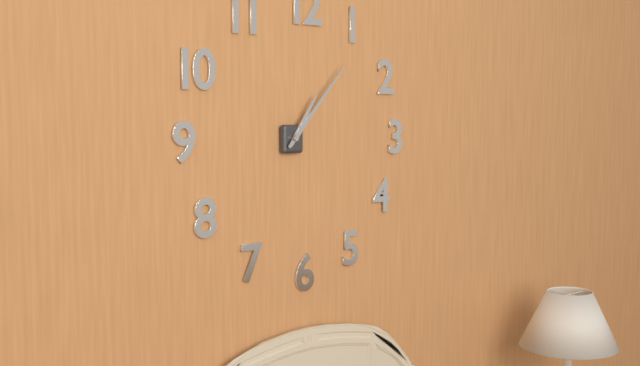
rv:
1 h 07 min
